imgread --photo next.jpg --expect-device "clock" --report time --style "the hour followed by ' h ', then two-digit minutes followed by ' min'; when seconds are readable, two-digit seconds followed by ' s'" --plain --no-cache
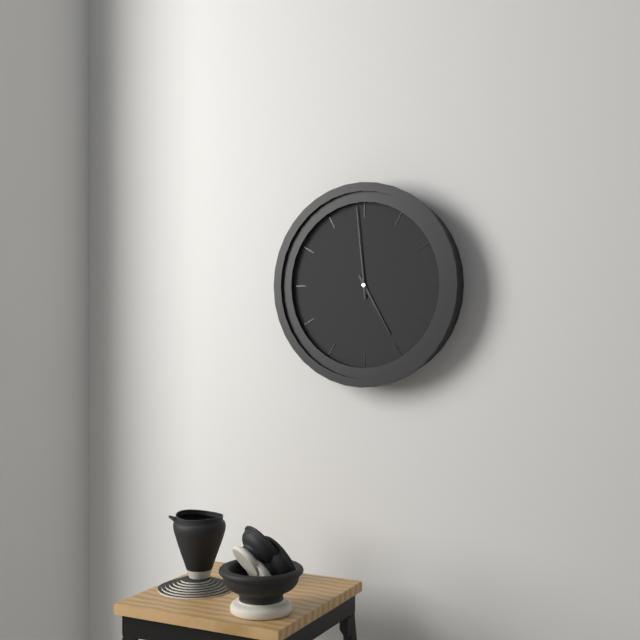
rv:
4 h 59 min
